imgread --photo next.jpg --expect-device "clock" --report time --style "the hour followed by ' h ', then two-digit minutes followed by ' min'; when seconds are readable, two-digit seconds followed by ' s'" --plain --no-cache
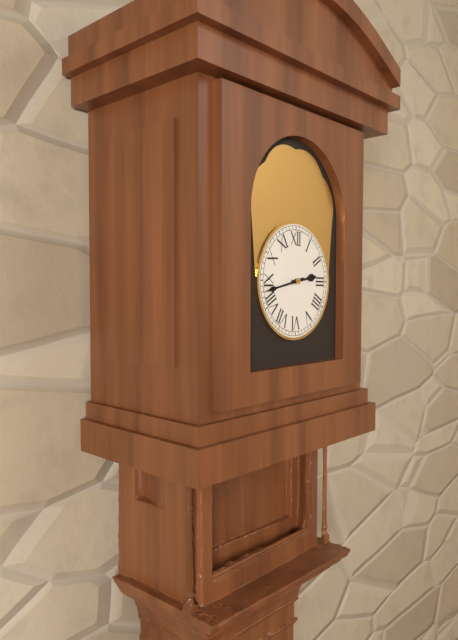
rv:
2 h 43 min
